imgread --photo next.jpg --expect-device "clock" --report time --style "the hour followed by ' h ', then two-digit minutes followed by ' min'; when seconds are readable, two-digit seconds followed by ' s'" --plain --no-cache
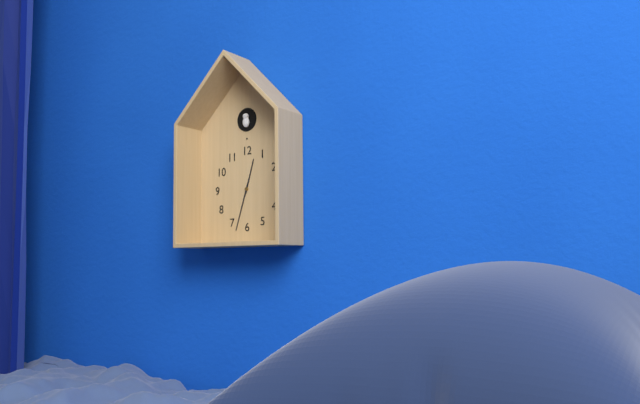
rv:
12 h 33 min
